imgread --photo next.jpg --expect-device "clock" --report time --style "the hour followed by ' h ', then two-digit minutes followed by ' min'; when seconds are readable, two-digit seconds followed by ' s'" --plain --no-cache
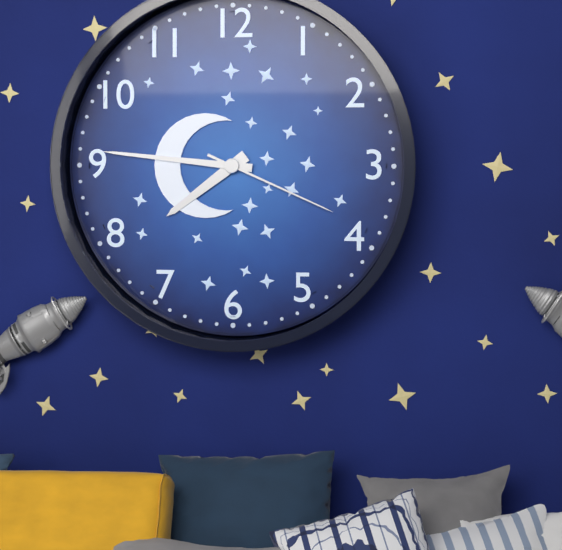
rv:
7 h 46 min 19 s
